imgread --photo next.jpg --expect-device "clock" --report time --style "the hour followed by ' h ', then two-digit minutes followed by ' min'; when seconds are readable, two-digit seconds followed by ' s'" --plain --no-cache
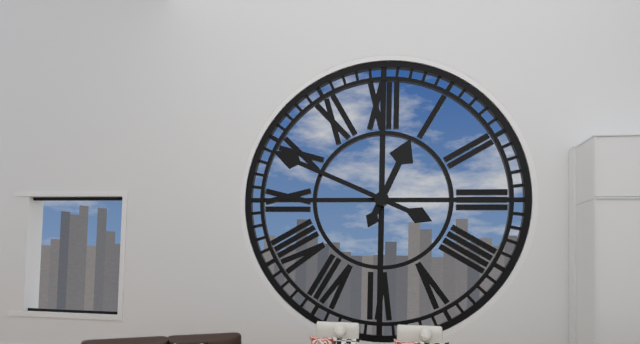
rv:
12 h 49 min
